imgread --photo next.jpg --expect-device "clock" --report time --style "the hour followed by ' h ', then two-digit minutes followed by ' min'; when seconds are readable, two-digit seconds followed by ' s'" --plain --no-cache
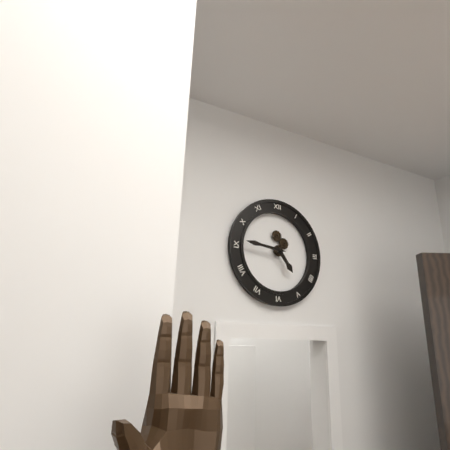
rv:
4 h 46 min
